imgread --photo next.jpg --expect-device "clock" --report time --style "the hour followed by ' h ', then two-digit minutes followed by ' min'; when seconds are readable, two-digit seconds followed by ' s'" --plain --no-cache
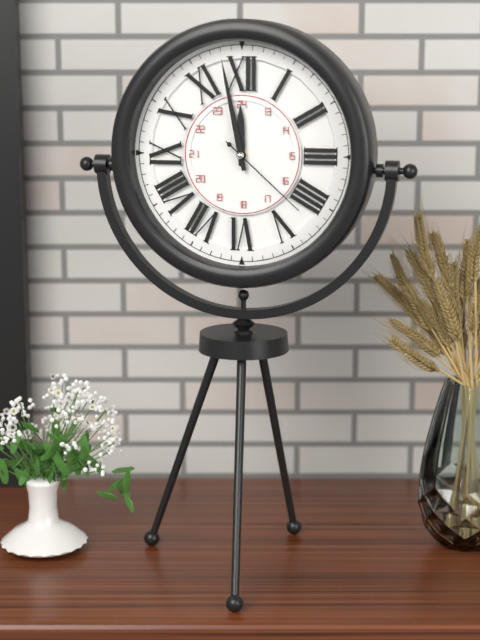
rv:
11 h 58 min 22 s
